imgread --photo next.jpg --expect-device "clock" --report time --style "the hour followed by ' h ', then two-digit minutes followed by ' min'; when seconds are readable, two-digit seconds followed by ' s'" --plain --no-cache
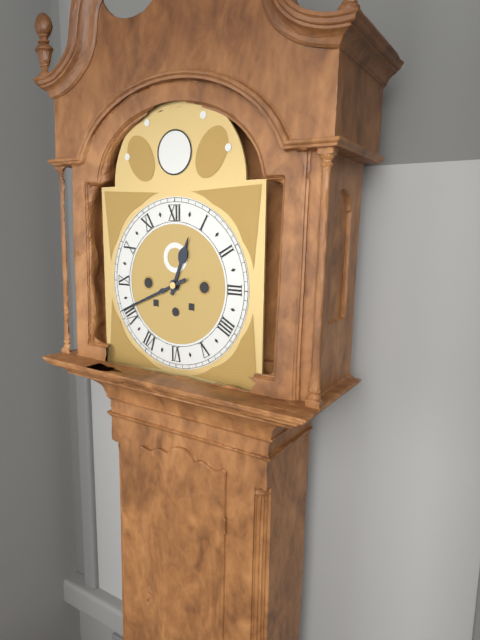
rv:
12 h 41 min
